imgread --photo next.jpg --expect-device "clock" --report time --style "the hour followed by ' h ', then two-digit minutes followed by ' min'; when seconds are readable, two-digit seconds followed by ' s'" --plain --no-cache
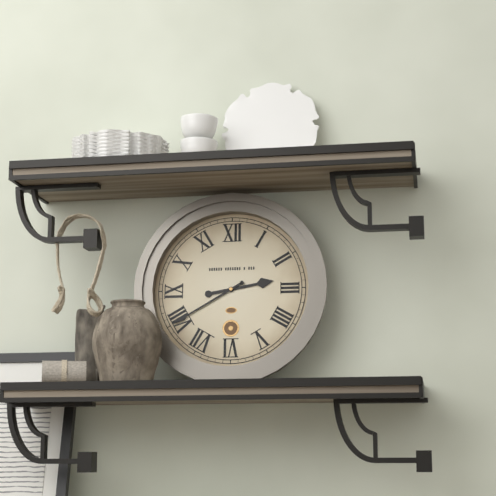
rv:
2 h 40 min
